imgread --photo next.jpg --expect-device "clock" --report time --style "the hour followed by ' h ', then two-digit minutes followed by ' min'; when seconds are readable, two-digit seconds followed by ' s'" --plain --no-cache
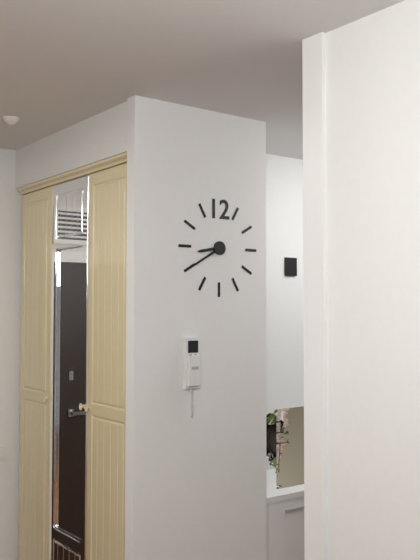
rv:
8 h 40 min
